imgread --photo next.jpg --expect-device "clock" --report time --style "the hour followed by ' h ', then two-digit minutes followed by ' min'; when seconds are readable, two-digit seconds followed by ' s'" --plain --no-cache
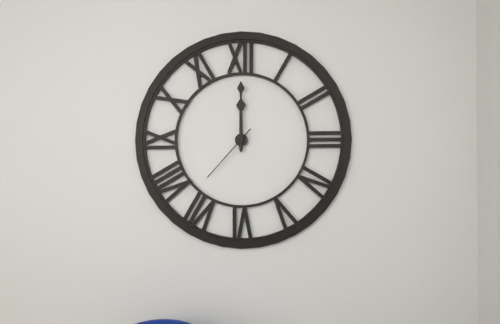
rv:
12 h 00 min 37 s
